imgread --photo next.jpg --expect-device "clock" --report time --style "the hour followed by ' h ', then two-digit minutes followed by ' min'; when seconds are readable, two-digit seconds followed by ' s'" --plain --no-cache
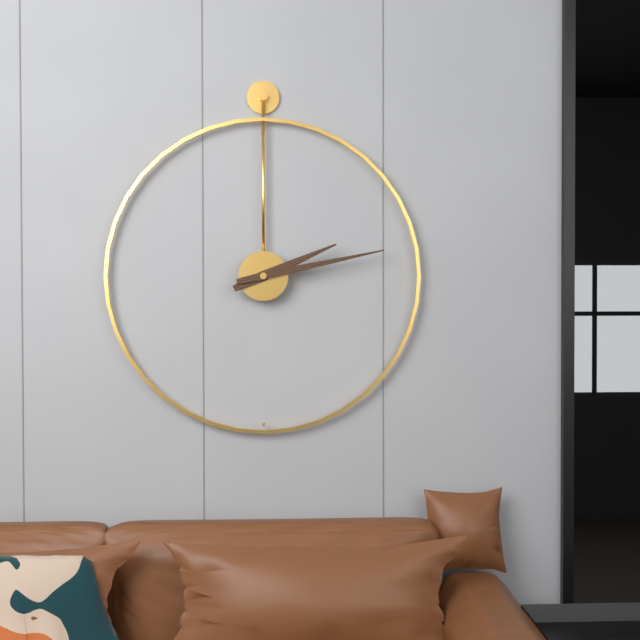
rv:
2 h 13 min
